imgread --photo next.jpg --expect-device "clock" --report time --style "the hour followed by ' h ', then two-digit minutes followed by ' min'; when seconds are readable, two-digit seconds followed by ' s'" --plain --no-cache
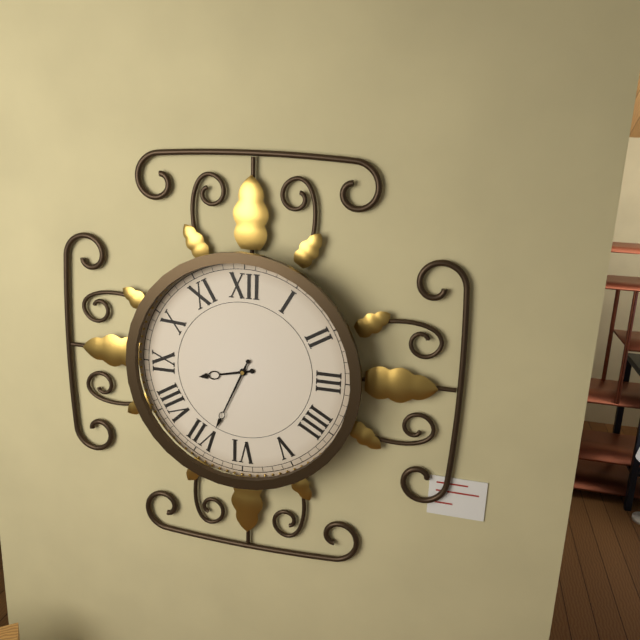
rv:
8 h 34 min
